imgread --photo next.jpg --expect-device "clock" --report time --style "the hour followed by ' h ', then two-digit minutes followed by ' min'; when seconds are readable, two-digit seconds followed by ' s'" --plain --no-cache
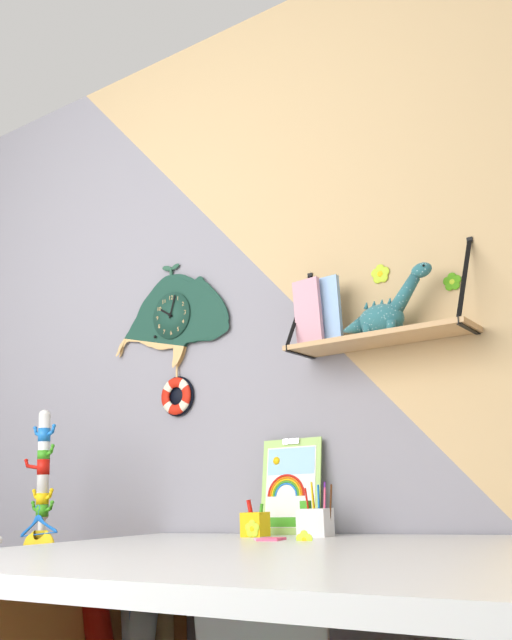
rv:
10 h 03 min
